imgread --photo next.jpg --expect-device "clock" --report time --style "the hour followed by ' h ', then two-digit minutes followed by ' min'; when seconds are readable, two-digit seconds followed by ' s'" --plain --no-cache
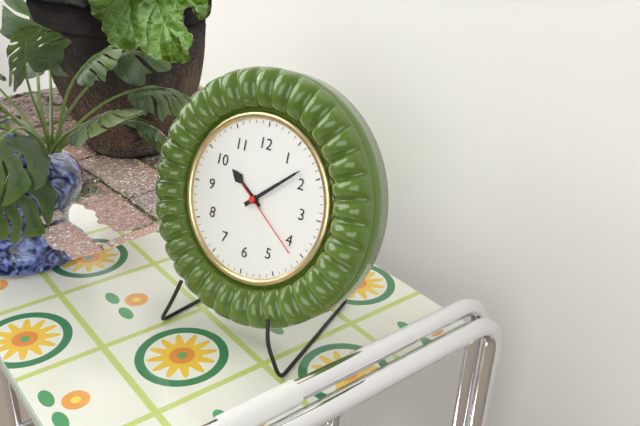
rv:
10 h 08 min 21 s
